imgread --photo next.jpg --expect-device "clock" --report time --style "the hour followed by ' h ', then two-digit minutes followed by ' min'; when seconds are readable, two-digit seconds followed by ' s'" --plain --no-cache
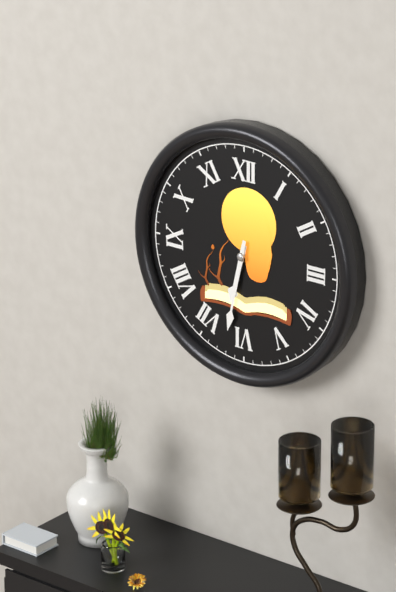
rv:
6 h 32 min
